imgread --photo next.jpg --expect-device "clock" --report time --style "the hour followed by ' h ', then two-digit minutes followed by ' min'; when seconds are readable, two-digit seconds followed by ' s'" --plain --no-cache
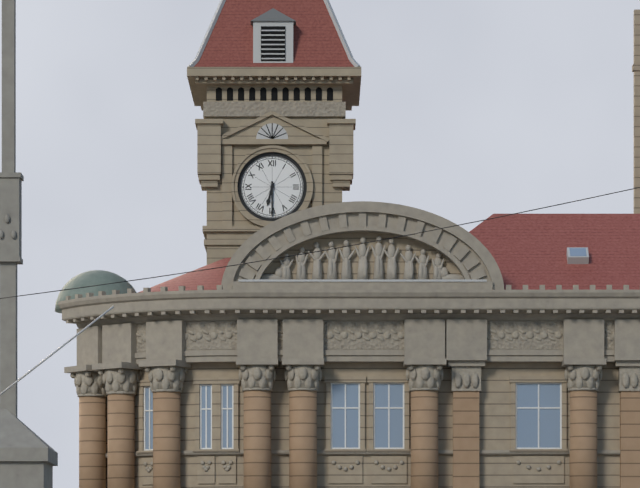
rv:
6 h 30 min
